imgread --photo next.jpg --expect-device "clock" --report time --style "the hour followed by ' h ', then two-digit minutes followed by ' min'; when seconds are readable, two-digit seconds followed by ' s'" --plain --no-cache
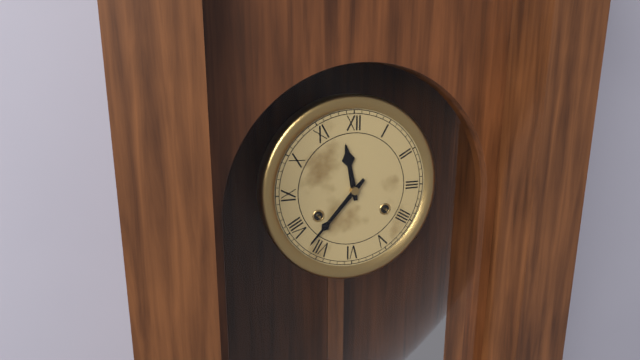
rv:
11 h 37 min
